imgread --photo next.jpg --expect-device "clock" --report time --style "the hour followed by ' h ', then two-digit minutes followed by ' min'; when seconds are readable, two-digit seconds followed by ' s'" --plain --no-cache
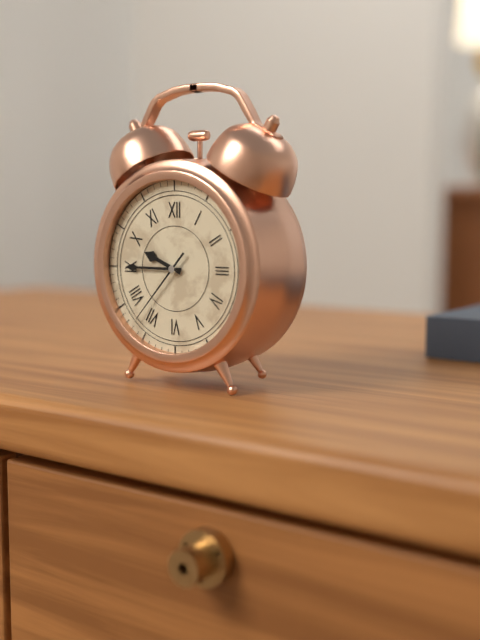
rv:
9 h 45 min 37 s
